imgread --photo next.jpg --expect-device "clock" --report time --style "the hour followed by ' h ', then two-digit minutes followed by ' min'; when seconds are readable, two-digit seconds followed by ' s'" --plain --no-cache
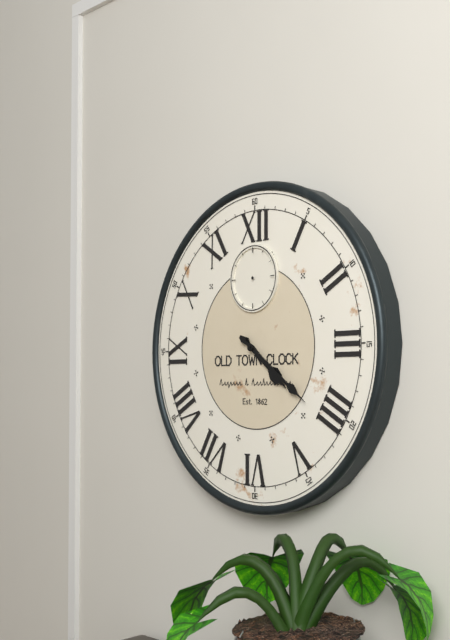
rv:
4 h 21 min
